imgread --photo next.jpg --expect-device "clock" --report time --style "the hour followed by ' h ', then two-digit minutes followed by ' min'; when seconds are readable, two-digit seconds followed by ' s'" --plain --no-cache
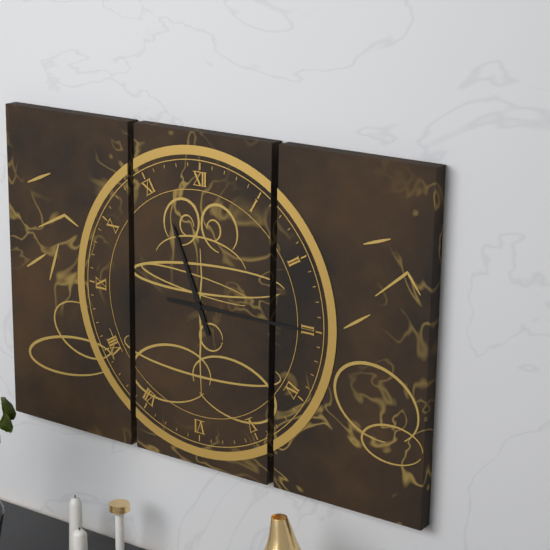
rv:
11 h 15 min
